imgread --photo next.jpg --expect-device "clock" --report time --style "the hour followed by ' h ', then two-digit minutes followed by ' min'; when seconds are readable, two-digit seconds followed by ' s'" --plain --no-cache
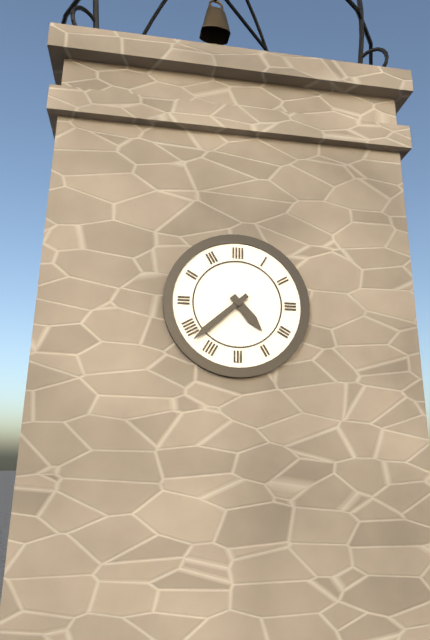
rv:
4 h 38 min
